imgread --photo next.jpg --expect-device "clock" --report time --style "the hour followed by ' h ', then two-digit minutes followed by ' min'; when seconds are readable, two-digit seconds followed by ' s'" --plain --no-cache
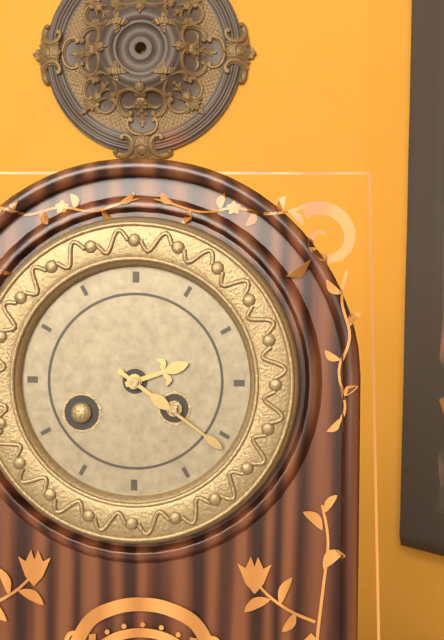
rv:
2 h 21 min
